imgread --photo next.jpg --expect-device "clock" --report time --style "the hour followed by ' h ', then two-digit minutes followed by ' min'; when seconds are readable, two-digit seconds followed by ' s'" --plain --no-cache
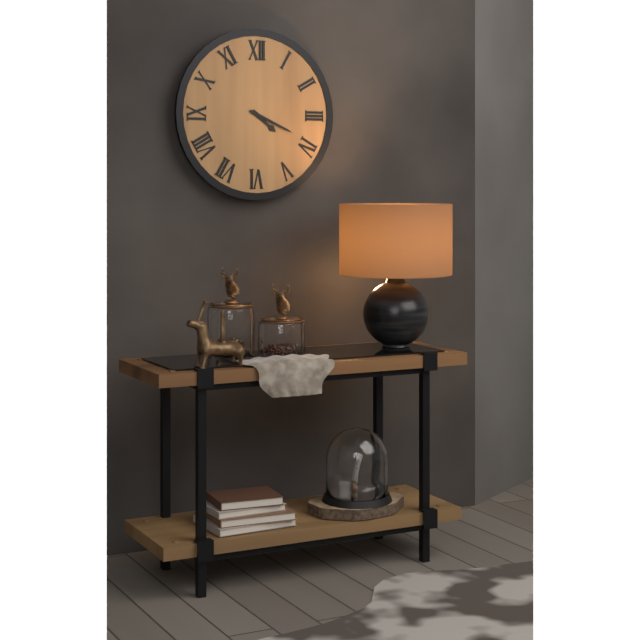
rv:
4 h 19 min
